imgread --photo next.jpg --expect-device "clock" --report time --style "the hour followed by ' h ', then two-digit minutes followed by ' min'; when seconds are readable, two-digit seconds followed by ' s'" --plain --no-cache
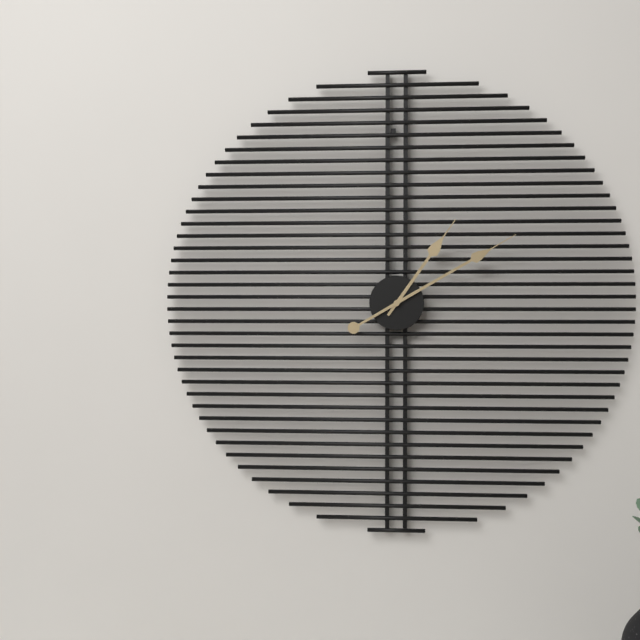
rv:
1 h 10 min
